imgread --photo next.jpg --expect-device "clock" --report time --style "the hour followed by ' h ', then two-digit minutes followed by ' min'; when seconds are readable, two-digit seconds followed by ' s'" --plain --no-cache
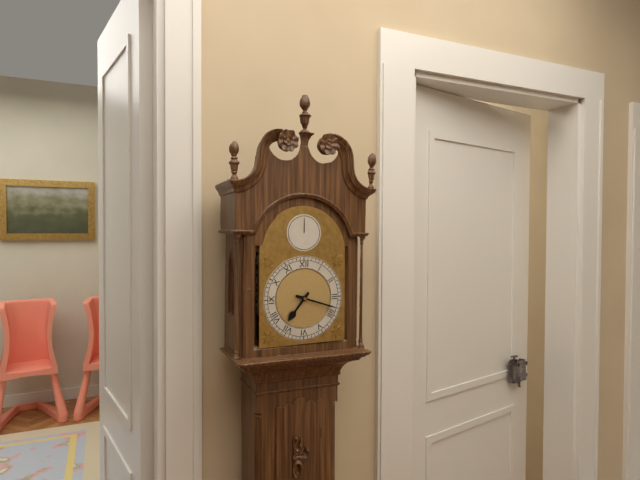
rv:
7 h 18 min
